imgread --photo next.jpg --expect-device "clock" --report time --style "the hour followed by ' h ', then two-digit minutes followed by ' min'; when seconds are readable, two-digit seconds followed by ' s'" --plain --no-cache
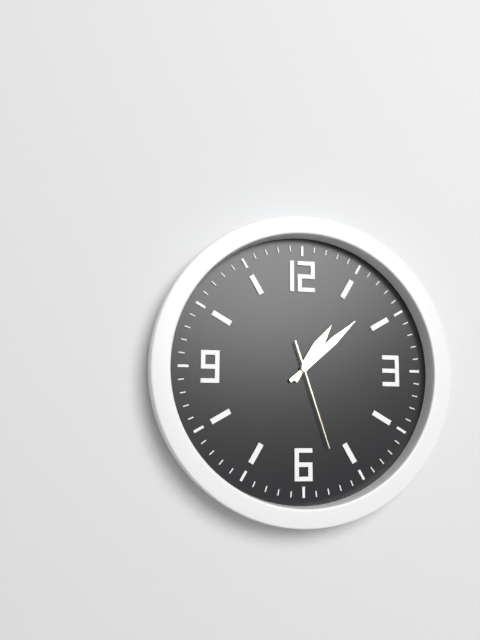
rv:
1 h 08 min 27 s
